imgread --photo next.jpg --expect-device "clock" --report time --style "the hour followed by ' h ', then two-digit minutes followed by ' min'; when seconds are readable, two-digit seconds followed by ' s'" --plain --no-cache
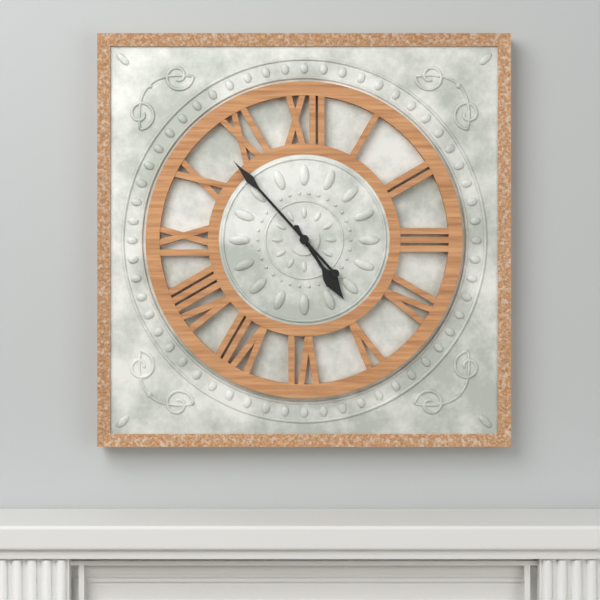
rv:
4 h 53 min
